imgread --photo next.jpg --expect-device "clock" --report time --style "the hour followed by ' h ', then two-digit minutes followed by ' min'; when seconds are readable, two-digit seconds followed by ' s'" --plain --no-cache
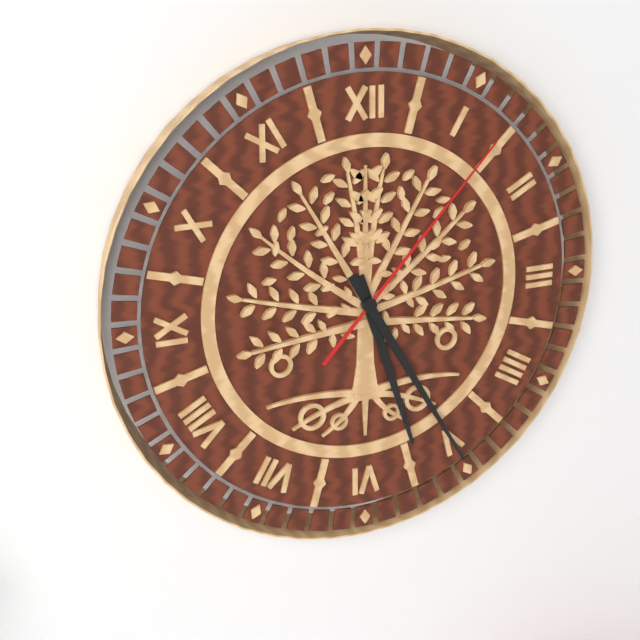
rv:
5 h 25 min 07 s
